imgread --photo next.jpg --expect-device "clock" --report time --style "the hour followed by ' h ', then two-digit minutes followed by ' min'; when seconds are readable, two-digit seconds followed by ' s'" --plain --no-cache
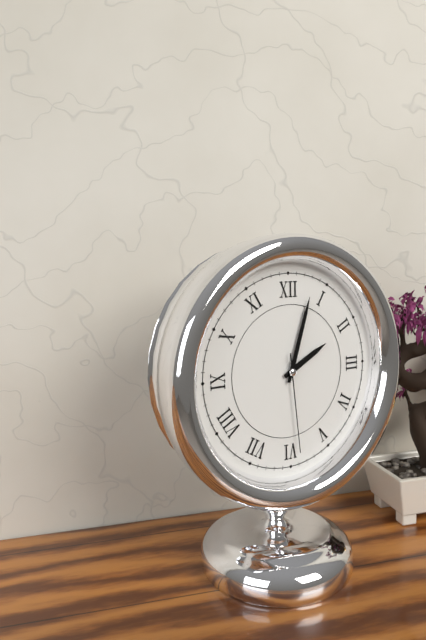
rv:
2 h 03 min 29 s
